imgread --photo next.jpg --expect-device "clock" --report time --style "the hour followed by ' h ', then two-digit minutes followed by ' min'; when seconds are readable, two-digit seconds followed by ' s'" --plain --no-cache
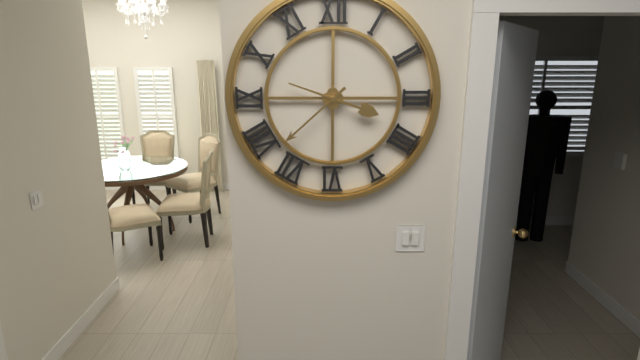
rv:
3 h 38 min
